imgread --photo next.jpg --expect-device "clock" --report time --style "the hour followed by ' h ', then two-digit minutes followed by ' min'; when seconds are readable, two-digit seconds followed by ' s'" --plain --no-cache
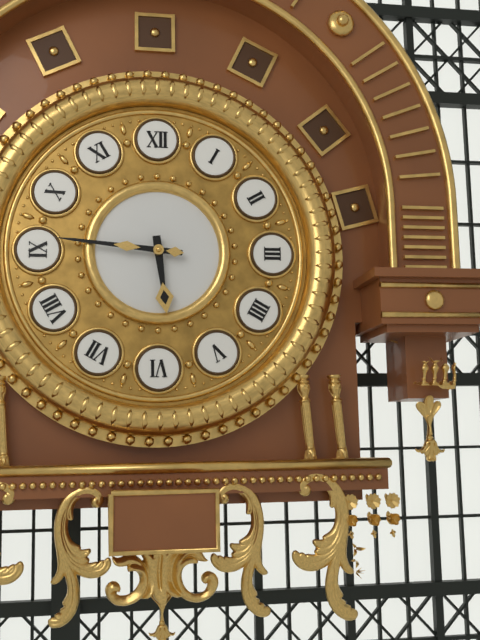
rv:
5 h 46 min
